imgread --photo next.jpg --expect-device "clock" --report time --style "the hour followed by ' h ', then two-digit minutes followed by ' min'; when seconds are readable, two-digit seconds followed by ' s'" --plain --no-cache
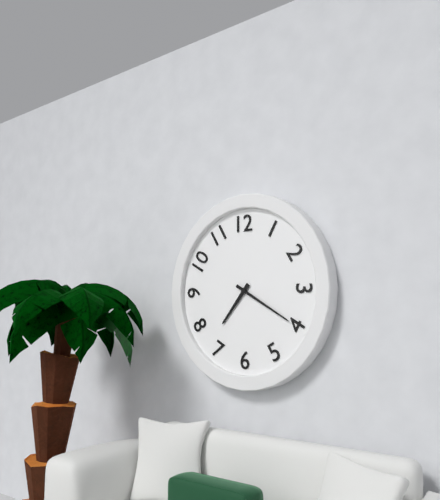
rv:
7 h 20 min
